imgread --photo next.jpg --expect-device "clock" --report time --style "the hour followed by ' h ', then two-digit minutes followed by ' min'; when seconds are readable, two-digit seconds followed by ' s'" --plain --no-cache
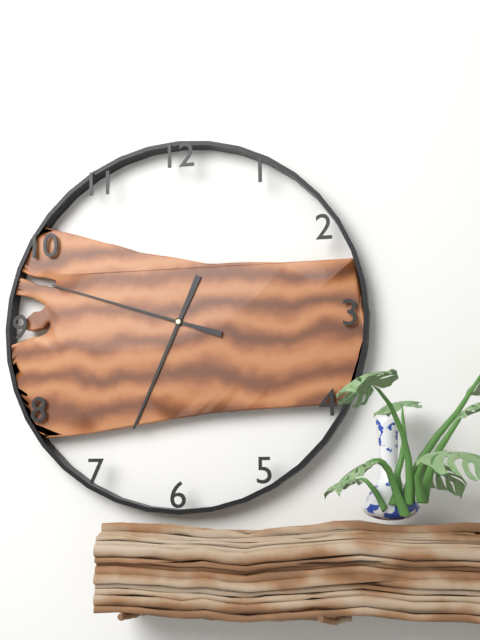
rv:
6 h 48 min
